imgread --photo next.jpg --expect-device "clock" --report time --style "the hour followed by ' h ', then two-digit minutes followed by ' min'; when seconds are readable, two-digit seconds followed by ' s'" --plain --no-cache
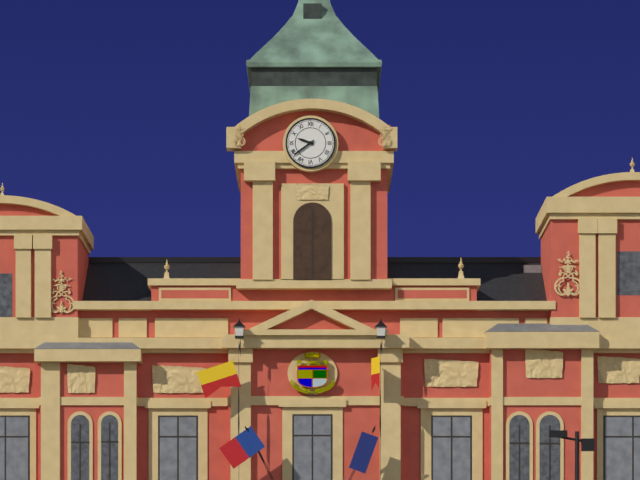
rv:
9 h 39 min
